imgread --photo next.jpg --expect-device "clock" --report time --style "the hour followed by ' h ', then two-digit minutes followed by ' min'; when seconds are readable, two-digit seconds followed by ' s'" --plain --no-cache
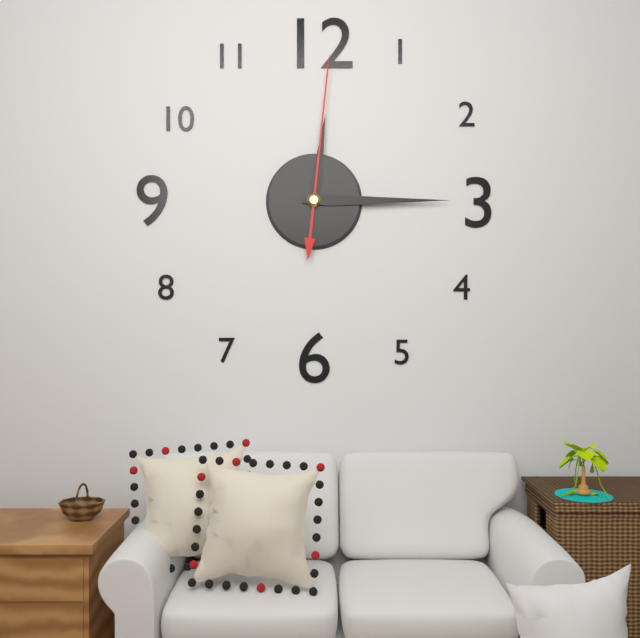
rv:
12 h 15 min 01 s
